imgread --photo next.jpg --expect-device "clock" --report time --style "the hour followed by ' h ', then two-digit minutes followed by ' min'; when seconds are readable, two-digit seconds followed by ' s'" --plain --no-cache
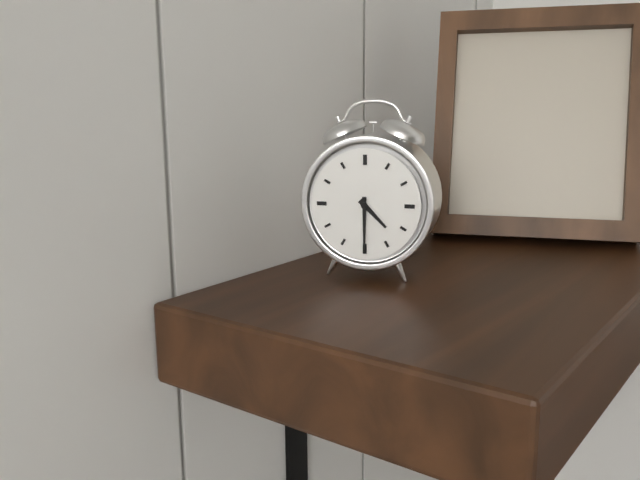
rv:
4 h 30 min
